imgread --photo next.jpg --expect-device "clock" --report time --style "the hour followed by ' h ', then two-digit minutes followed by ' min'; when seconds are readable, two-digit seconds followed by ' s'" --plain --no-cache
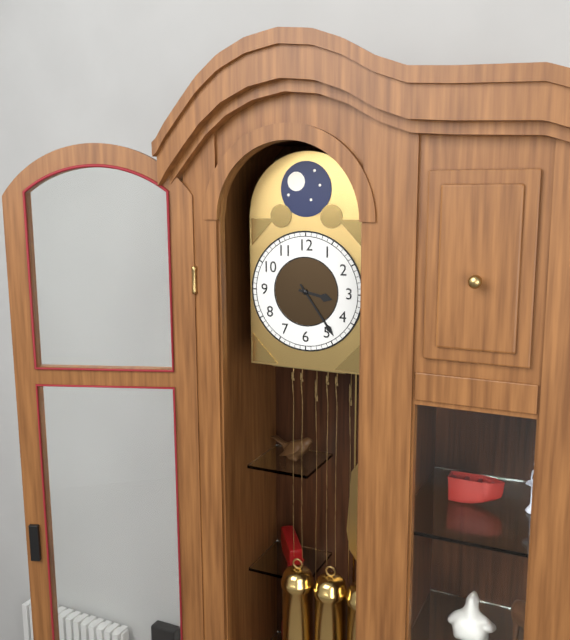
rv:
3 h 24 min
